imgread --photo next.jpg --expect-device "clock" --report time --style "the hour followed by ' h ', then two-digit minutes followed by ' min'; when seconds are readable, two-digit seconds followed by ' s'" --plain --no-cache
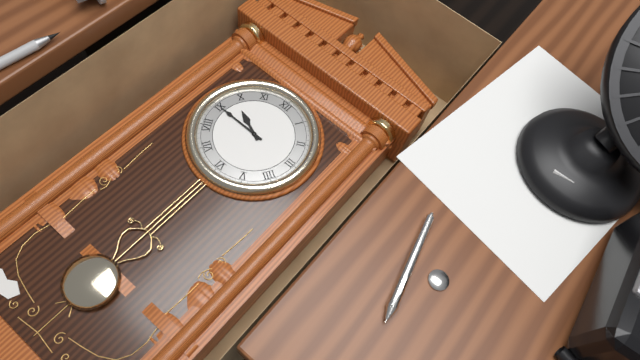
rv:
9 h 45 min
